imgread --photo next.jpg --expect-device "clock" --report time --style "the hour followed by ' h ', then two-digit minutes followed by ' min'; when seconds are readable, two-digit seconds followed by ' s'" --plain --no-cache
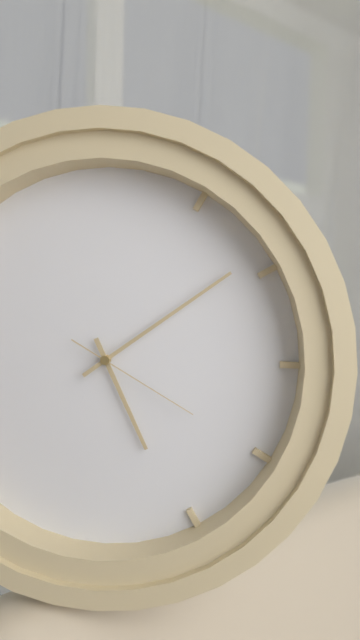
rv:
5 h 09 min 20 s
